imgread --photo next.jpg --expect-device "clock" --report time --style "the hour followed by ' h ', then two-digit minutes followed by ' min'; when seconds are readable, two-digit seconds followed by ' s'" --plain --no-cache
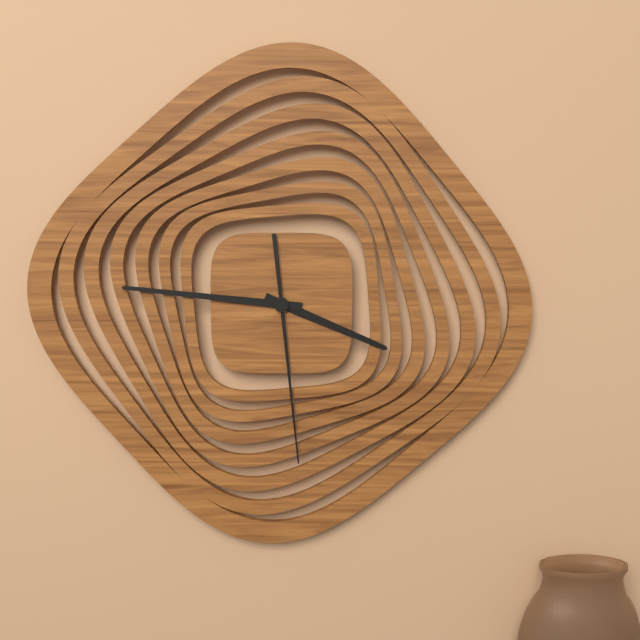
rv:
3 h 46 min 29 s
